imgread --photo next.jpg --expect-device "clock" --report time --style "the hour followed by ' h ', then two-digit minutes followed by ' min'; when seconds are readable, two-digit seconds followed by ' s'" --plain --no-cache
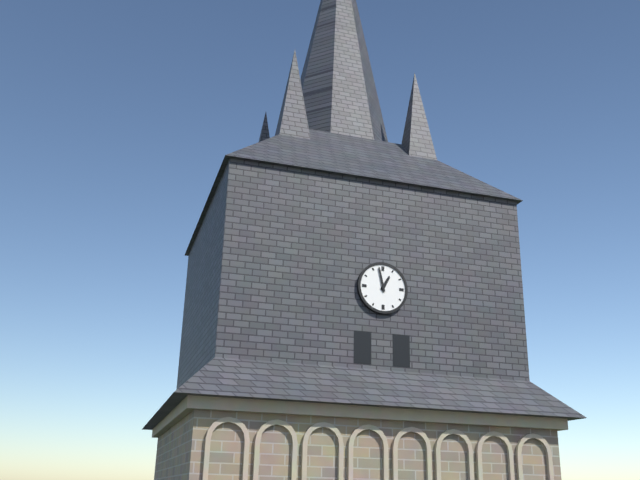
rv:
12 h 58 min
